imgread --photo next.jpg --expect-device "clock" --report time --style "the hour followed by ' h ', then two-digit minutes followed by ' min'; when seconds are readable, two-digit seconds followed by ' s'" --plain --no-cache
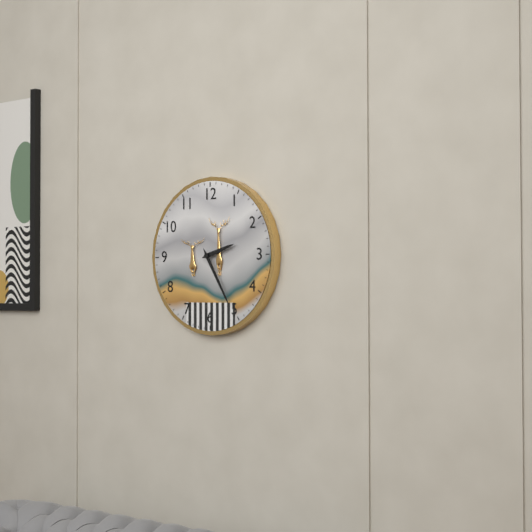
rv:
2 h 25 min
